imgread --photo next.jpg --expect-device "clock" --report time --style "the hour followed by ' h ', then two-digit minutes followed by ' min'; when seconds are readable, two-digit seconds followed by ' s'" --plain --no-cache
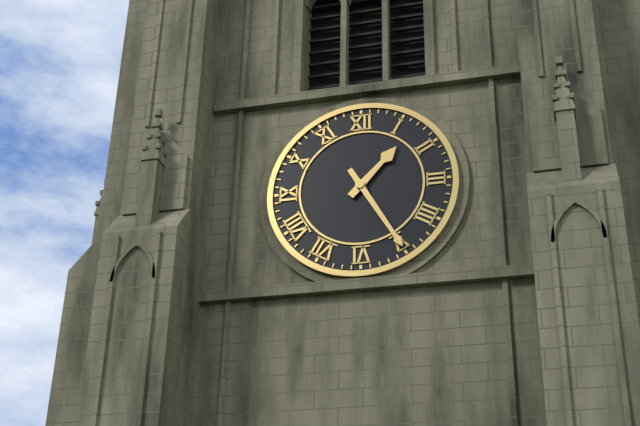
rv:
1 h 25 min
